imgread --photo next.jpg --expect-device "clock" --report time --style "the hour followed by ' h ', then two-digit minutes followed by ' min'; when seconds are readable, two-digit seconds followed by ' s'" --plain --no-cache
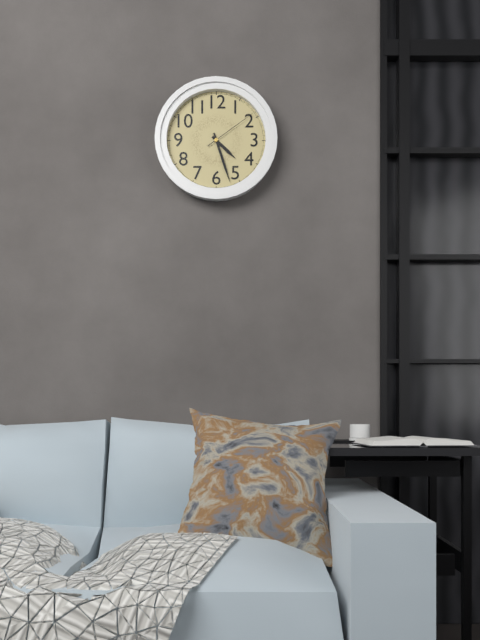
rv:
4 h 27 min 09 s
